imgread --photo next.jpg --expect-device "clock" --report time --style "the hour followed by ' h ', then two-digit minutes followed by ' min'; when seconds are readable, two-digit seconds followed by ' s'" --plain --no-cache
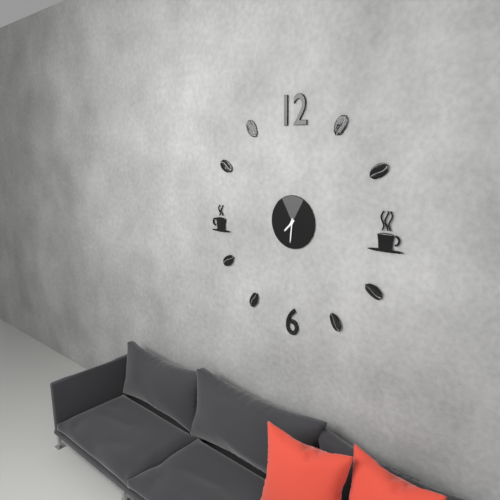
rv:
7 h 31 min
